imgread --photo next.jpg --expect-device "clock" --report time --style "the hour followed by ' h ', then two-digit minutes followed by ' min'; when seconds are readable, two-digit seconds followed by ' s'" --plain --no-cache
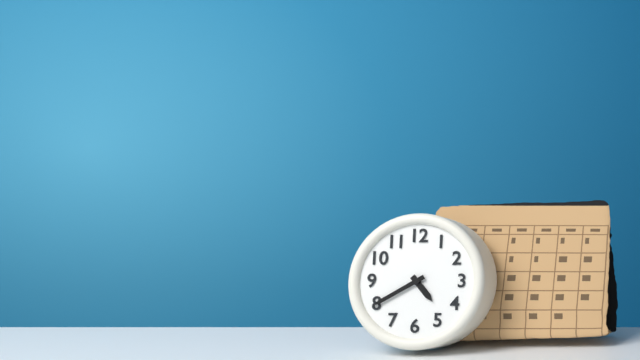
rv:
4 h 40 min
